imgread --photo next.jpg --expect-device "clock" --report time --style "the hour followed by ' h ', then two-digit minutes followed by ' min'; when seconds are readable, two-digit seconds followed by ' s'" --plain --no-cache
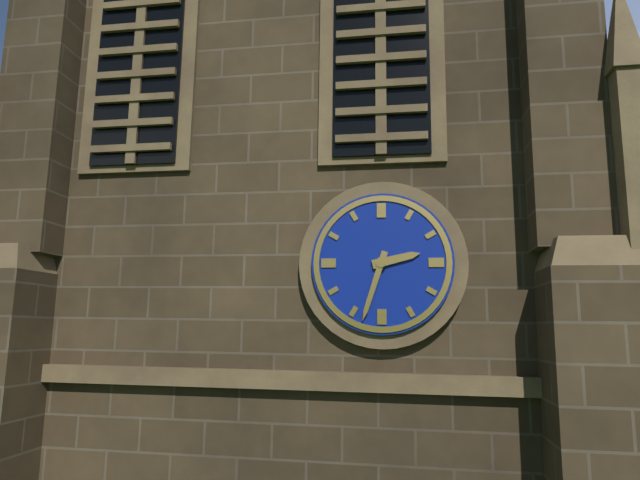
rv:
2 h 33 min
